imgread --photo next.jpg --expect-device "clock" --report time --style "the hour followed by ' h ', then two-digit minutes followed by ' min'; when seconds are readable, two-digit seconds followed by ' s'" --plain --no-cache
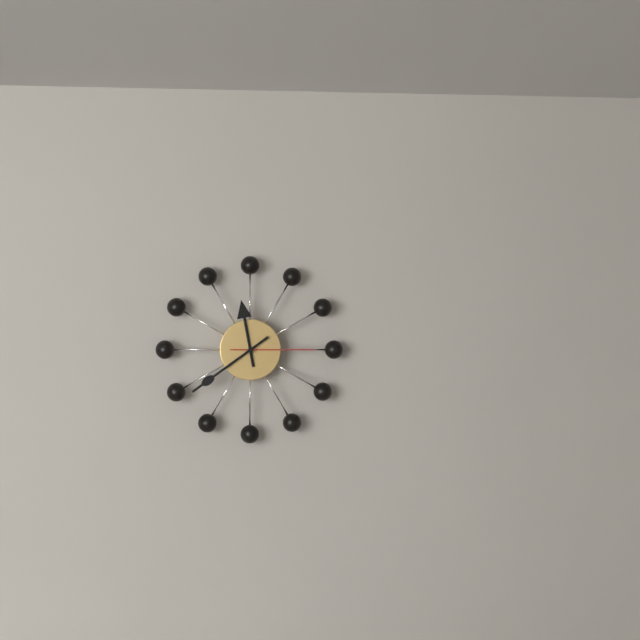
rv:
11 h 39 min 15 s
